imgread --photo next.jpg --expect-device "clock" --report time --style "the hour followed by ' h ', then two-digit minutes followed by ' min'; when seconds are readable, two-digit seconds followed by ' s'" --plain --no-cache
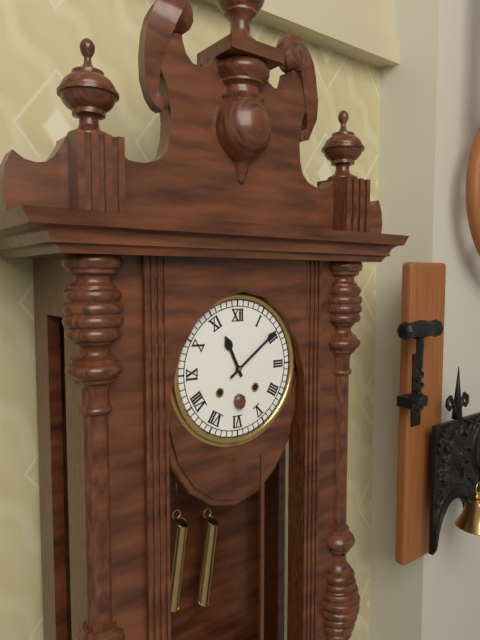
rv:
11 h 09 min
